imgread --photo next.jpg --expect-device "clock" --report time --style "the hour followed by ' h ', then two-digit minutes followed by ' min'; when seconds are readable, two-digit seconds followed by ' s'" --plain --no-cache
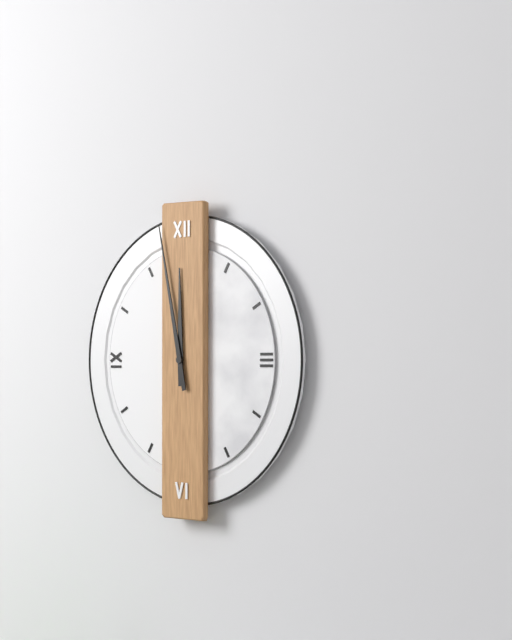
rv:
11 h 58 min
